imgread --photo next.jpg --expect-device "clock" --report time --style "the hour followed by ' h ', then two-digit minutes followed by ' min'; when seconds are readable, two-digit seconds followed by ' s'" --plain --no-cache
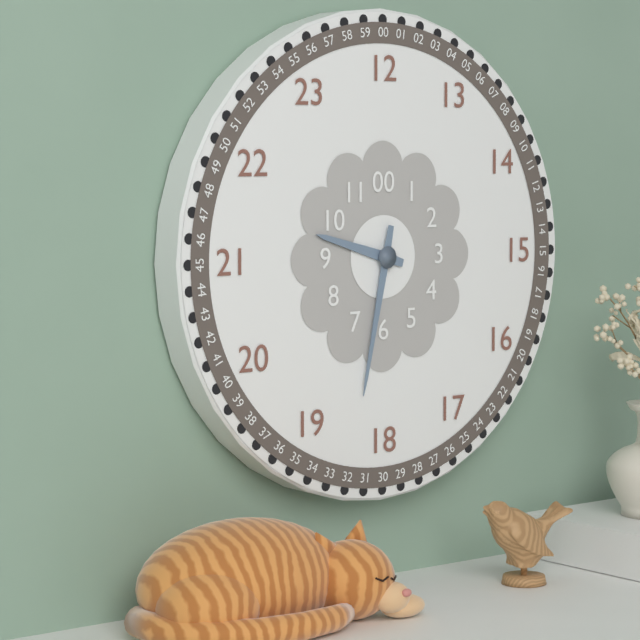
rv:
9 h 32 min
